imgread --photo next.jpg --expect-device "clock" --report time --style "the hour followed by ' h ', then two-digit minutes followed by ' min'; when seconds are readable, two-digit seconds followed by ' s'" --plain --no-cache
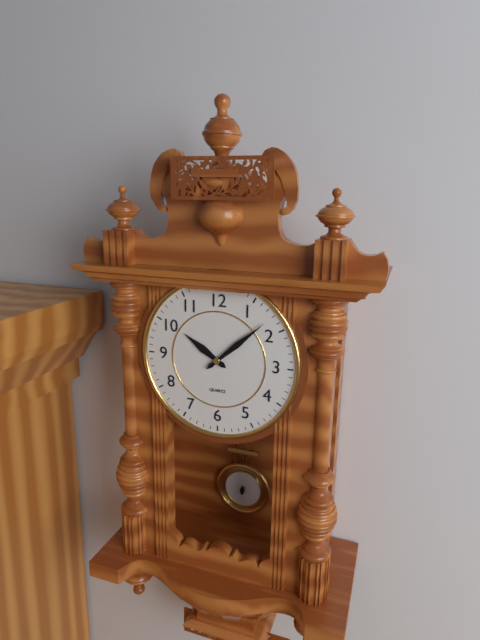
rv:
10 h 08 min
